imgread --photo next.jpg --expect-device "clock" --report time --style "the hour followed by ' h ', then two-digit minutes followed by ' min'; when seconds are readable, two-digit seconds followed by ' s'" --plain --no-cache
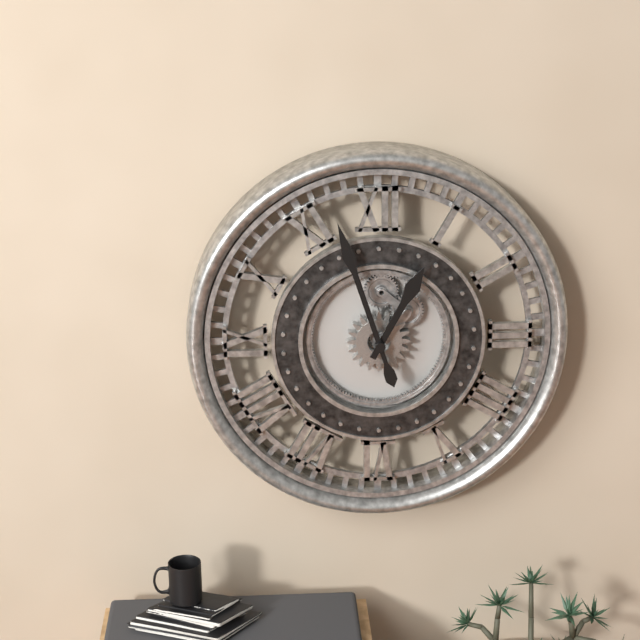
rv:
12 h 57 min
